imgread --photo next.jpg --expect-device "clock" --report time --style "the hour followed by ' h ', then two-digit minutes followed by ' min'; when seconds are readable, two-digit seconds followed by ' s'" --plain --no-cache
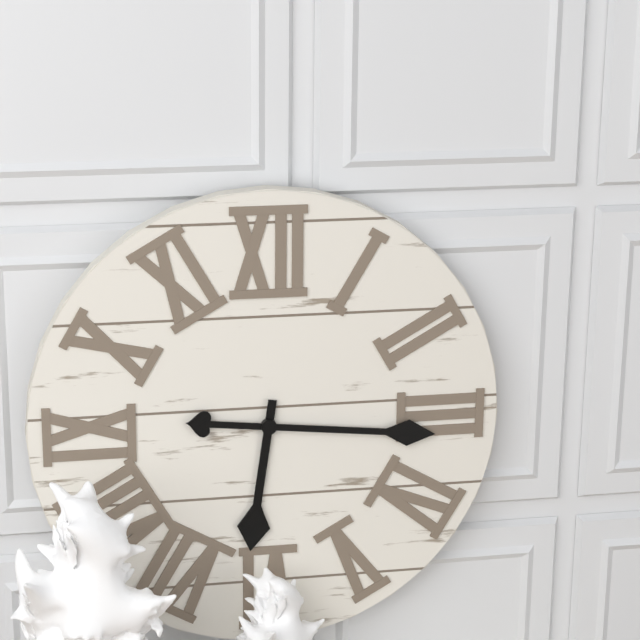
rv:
6 h 16 min
